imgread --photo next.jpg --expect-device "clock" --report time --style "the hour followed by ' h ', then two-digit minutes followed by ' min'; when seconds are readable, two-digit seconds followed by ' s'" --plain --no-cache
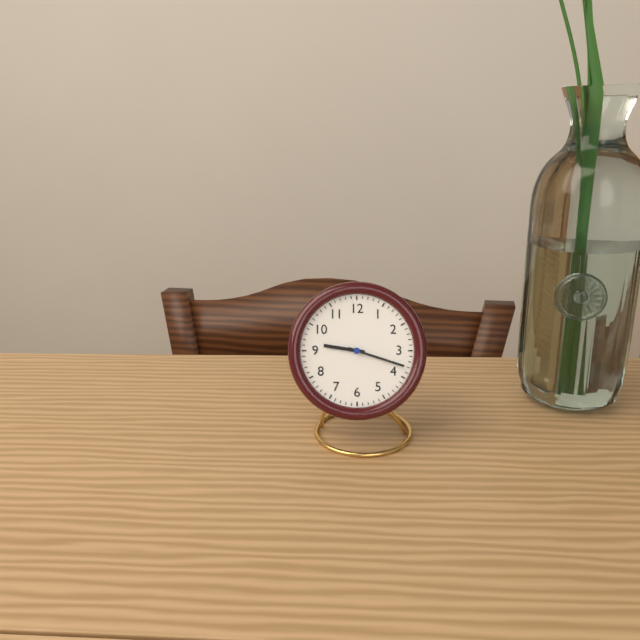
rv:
9 h 18 min
